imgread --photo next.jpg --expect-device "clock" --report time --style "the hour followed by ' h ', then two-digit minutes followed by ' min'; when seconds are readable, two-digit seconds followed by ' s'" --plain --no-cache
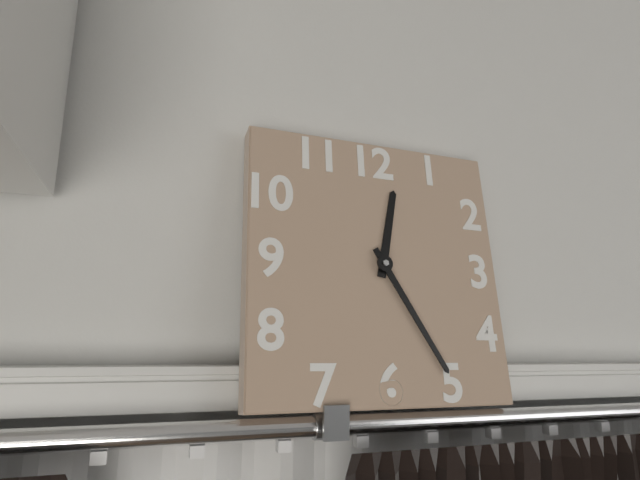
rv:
12 h 25 min
